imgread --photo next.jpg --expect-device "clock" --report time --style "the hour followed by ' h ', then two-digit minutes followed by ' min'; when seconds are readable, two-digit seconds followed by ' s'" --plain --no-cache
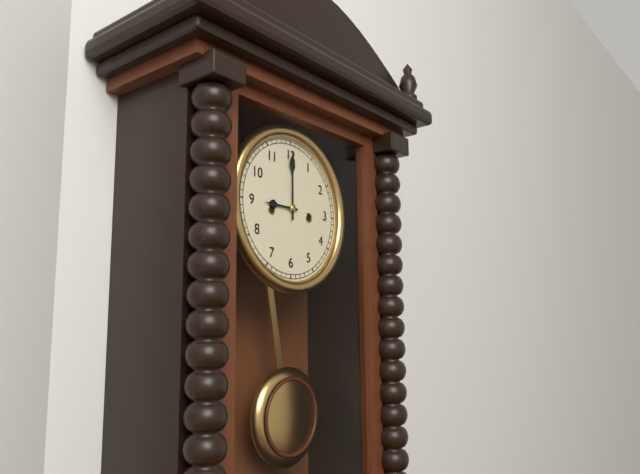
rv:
9 h 00 min
